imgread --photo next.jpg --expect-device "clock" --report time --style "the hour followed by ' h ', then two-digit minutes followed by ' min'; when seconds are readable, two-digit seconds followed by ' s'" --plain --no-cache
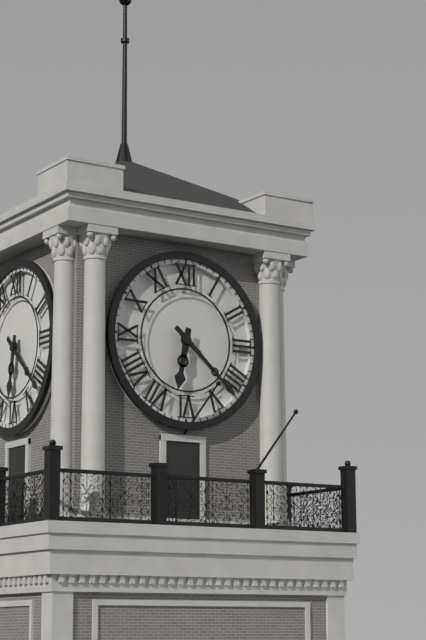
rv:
6 h 22 min
